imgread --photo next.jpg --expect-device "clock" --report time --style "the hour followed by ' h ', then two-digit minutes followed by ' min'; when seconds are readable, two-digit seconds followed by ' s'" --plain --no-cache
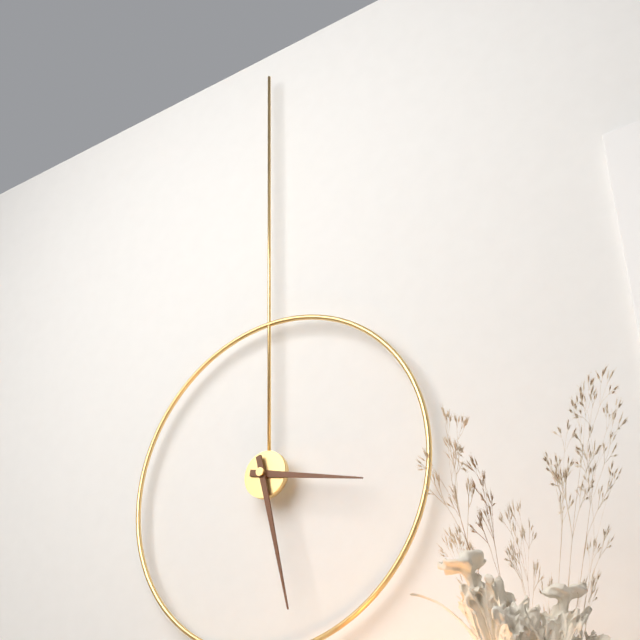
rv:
3 h 28 min
